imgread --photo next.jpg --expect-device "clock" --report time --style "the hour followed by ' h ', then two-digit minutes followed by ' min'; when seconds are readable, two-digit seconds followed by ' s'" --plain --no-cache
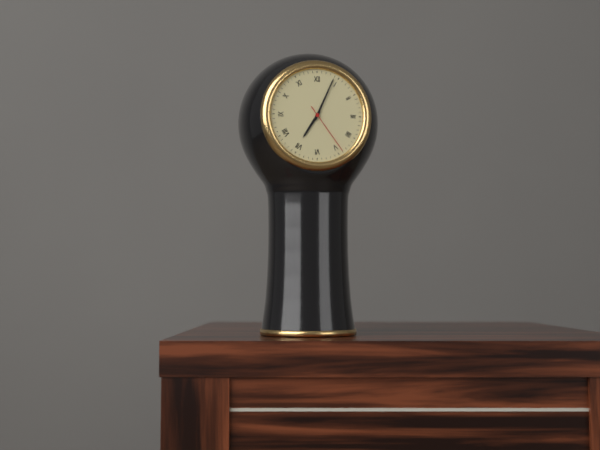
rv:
7 h 04 min 24 s
